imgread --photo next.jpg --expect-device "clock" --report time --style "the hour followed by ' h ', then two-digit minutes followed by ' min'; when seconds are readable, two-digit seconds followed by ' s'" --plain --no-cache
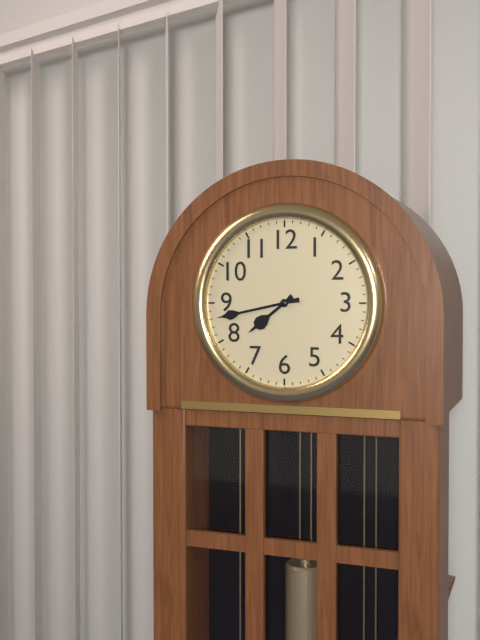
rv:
7 h 43 min
